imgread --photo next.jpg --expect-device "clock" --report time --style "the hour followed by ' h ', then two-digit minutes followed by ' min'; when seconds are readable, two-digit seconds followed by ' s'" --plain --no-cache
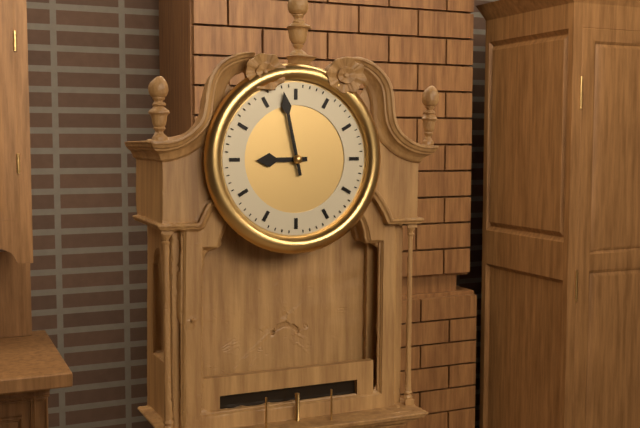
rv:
8 h 58 min
